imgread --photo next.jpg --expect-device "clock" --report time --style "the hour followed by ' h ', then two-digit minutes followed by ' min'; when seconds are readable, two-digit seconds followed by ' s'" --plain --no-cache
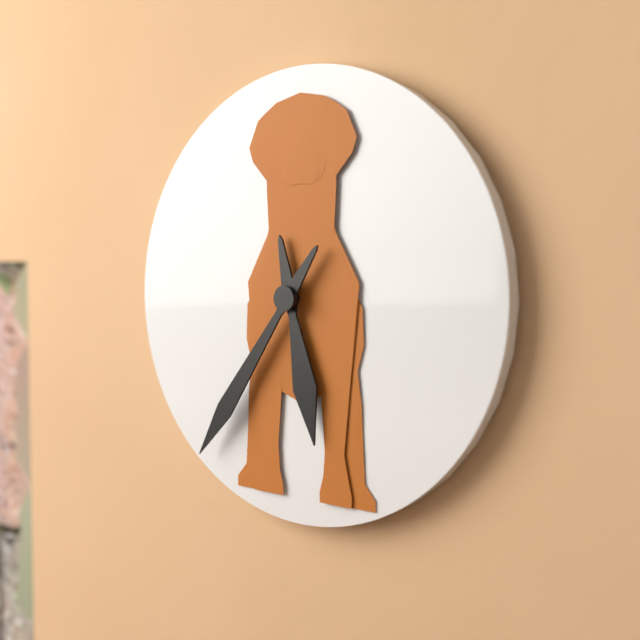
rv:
5 h 36 min
